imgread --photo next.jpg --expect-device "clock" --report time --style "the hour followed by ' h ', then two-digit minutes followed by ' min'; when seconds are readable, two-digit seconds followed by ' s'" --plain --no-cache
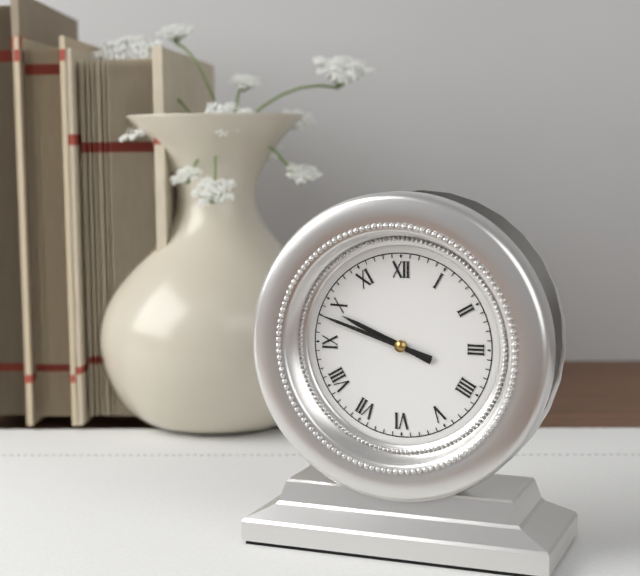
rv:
9 h 48 min
